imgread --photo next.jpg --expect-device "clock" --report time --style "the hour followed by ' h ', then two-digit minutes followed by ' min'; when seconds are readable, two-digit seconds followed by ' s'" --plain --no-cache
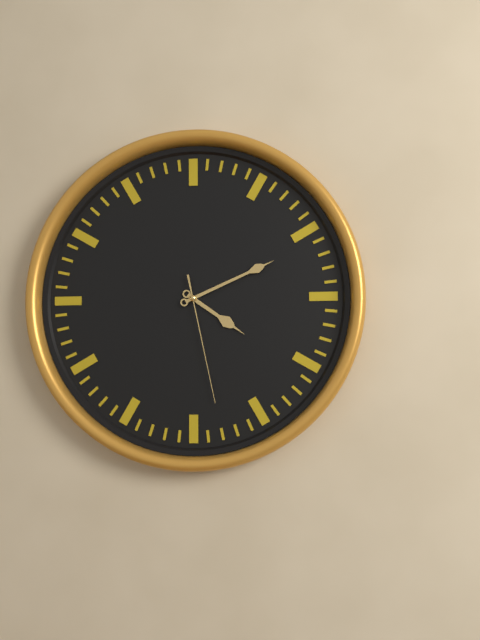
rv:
4 h 11 min 28 s
